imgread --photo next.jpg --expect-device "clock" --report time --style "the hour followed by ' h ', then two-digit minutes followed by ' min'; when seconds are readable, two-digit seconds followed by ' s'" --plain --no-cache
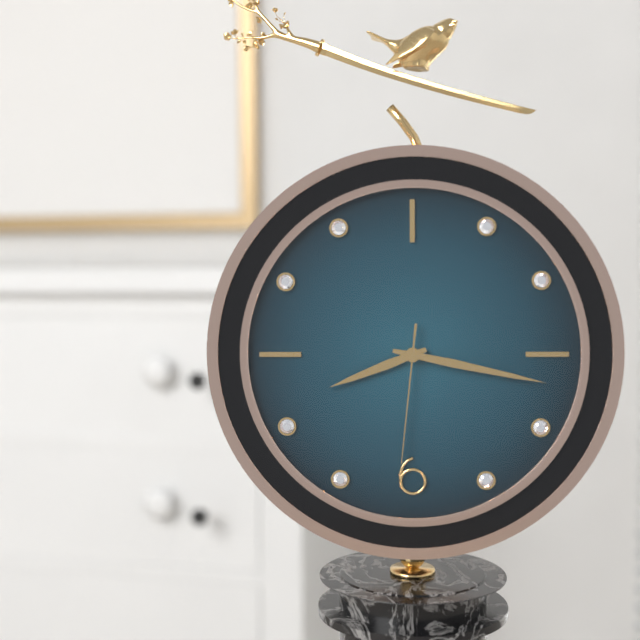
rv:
8 h 17 min 31 s
